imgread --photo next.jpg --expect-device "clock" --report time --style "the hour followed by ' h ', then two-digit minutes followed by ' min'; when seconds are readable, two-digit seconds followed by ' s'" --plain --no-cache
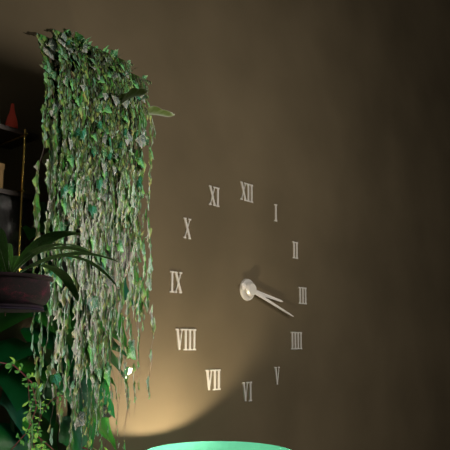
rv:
3 h 18 min
